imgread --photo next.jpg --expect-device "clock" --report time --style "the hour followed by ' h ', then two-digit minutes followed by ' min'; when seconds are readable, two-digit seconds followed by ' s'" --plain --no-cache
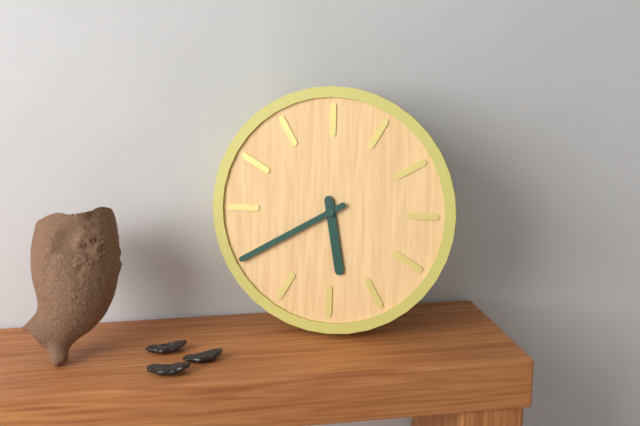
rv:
5 h 40 min
